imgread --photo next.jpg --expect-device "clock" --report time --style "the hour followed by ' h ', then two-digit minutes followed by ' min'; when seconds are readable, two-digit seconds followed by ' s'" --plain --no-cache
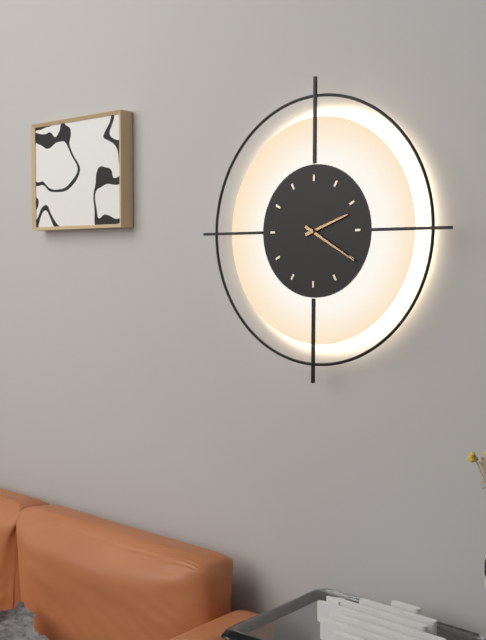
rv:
2 h 20 min
